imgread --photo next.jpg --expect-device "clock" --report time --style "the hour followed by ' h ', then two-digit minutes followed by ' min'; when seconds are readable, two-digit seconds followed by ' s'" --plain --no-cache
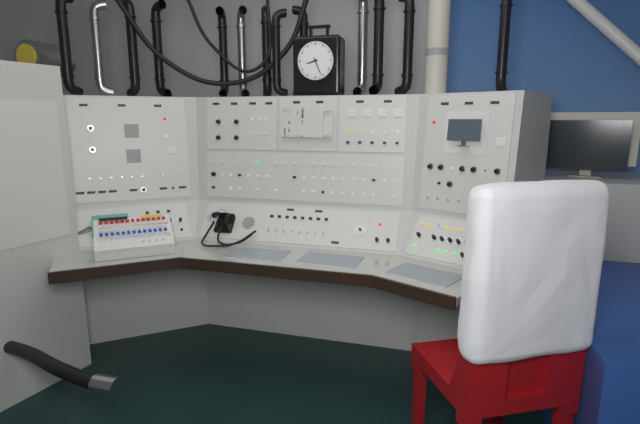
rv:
8 h 26 min
